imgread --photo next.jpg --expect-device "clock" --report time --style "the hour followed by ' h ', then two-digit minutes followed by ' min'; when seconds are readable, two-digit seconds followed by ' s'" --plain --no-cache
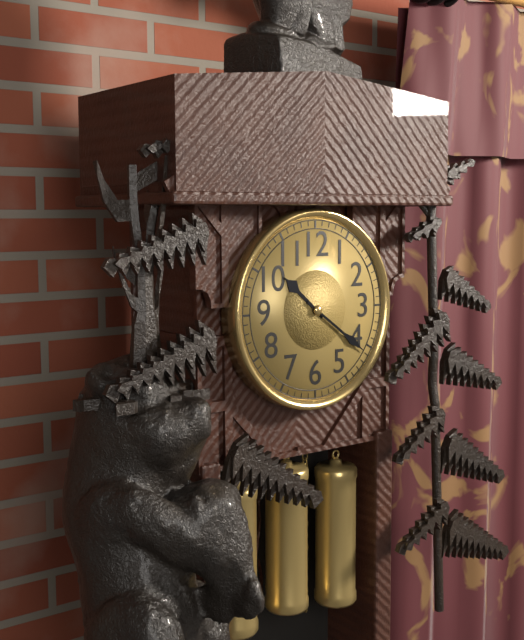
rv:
10 h 21 min
